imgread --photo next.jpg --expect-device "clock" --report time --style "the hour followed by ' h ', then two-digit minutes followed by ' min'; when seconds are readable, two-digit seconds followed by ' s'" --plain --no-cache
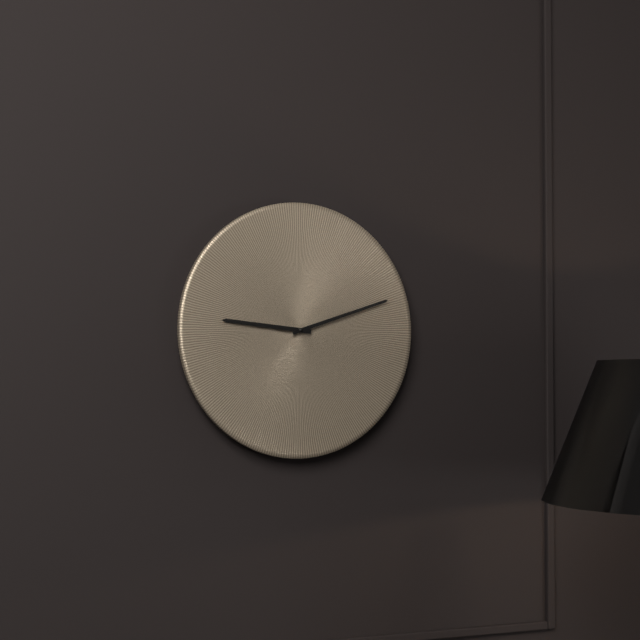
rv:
9 h 12 min
